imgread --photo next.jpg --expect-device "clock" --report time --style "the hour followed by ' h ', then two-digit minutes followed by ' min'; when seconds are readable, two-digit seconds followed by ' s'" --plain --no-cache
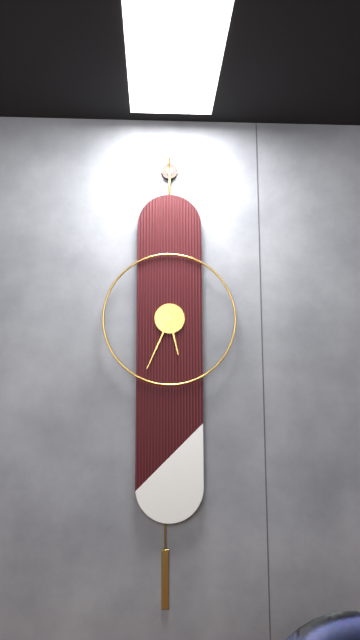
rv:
5 h 34 min
